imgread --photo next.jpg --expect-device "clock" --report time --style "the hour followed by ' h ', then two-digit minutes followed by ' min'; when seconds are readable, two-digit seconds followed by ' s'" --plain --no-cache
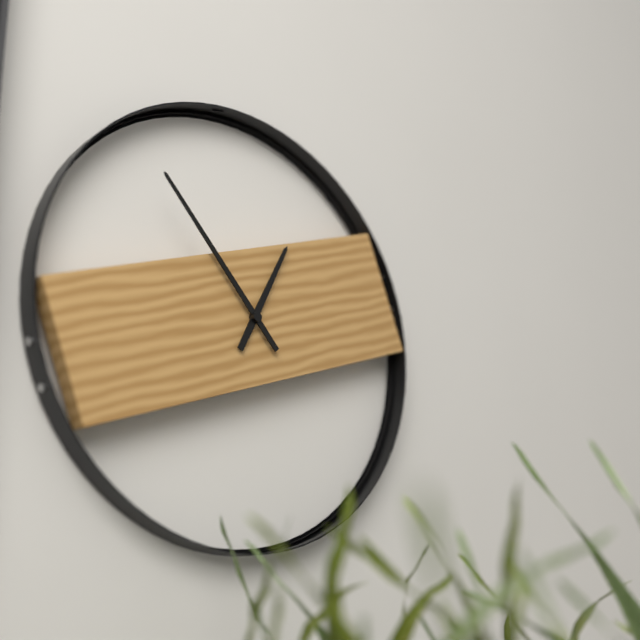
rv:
12 h 53 min
